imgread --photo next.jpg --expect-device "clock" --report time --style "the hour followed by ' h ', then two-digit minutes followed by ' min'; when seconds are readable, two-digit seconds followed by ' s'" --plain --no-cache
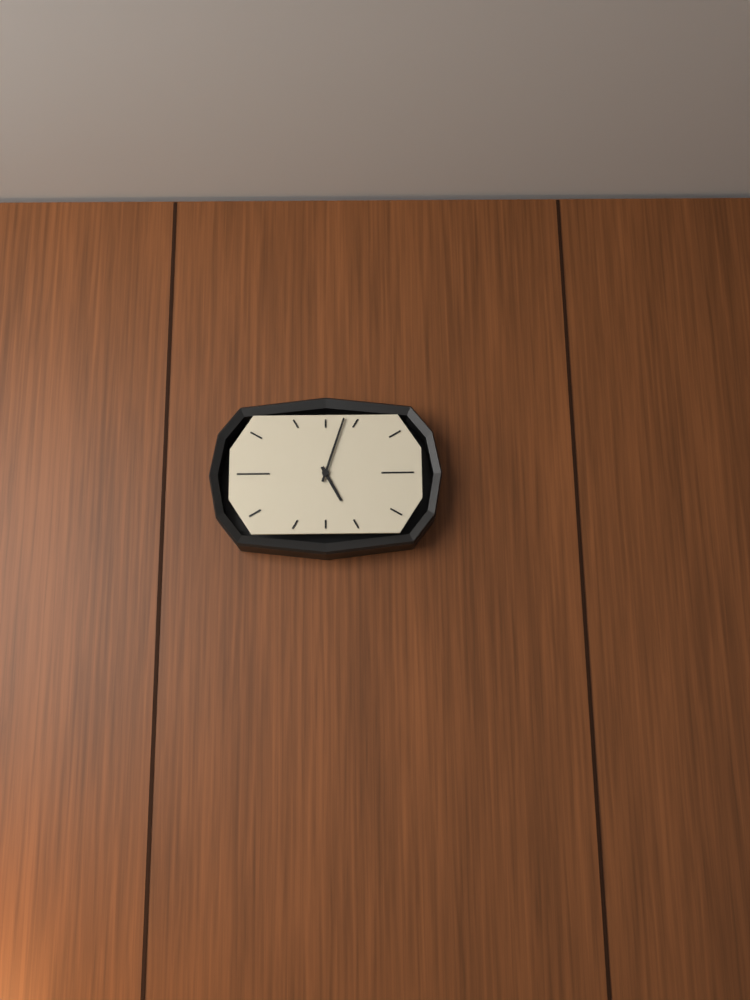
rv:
5 h 03 min
